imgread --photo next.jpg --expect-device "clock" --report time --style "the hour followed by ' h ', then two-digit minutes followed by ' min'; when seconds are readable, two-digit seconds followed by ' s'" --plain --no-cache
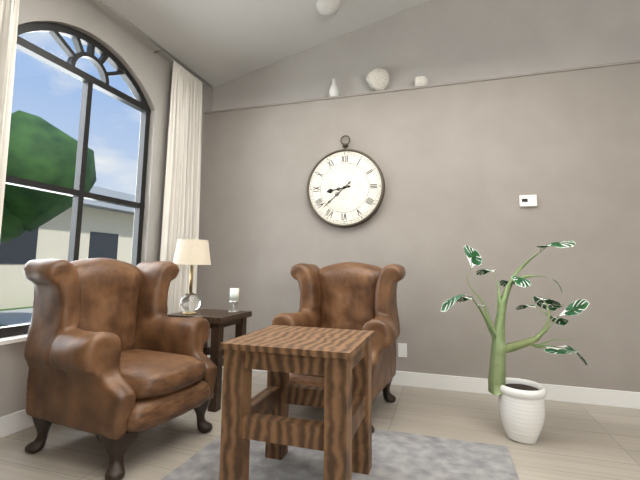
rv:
8 h 38 min
